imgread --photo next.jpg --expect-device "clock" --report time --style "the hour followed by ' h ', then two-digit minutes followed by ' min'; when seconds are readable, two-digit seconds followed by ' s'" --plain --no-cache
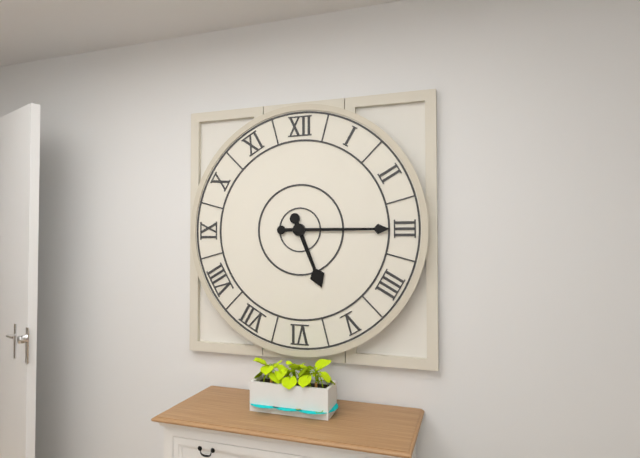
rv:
5 h 15 min
